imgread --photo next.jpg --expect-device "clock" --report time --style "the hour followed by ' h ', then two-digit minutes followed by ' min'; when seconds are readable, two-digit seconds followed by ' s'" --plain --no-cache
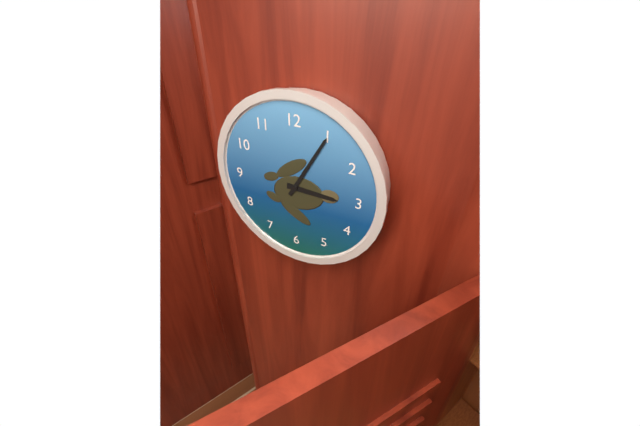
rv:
3 h 05 min
